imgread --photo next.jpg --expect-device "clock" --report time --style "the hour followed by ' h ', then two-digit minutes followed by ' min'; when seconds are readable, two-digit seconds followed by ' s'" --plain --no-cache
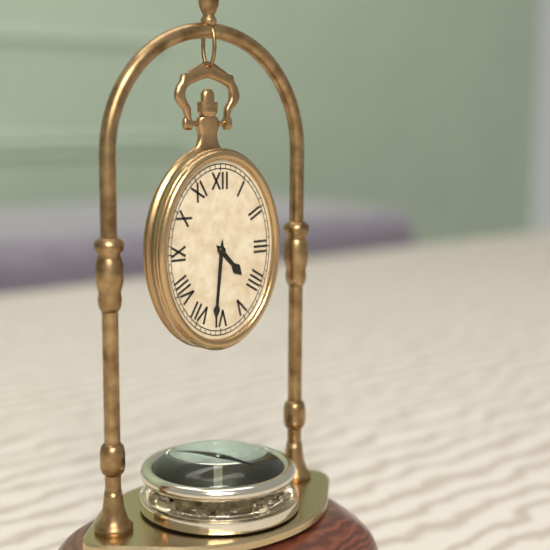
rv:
4 h 31 min
